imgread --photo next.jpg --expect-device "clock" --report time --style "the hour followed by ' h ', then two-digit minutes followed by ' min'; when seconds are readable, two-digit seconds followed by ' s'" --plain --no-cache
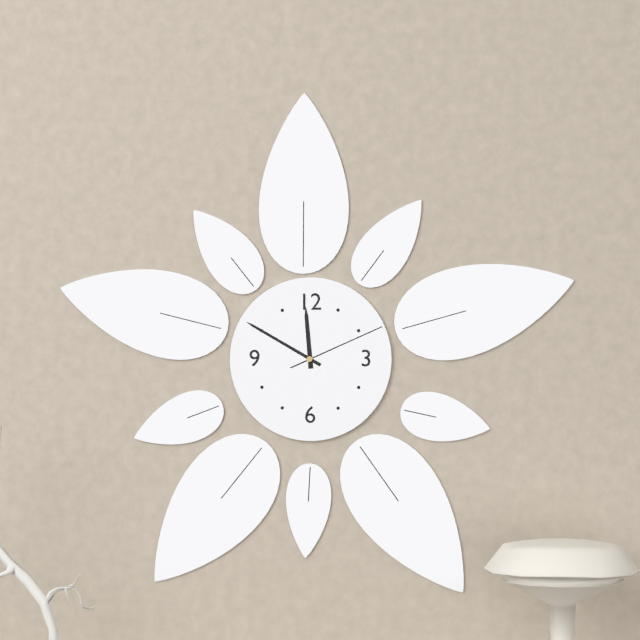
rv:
11 h 50 min 11 s
